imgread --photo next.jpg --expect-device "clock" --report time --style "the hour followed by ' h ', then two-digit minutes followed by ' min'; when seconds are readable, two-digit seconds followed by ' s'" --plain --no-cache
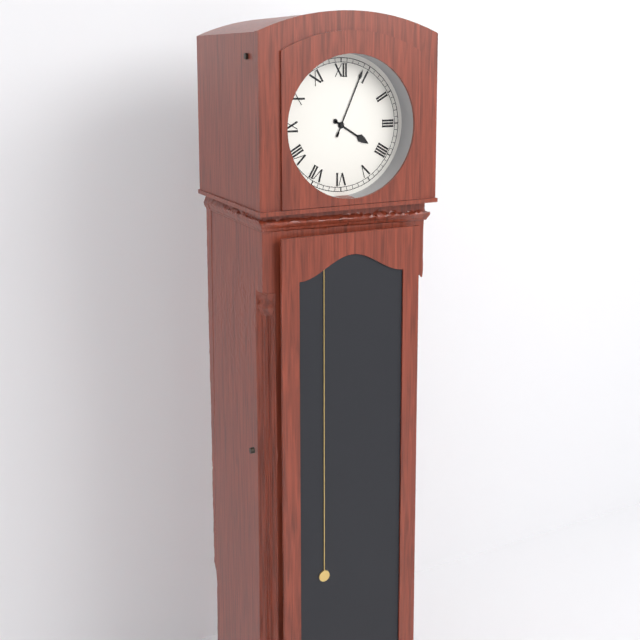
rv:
4 h 04 min
